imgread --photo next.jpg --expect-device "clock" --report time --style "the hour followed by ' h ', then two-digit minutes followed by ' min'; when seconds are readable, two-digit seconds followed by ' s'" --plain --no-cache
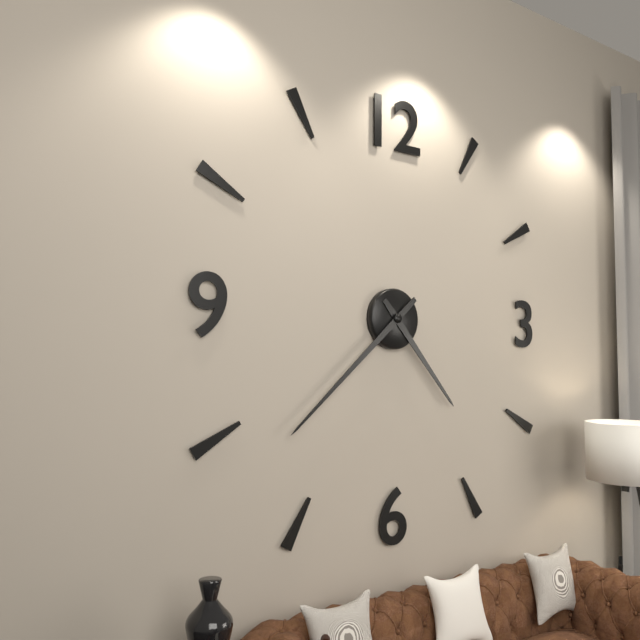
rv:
4 h 38 min
